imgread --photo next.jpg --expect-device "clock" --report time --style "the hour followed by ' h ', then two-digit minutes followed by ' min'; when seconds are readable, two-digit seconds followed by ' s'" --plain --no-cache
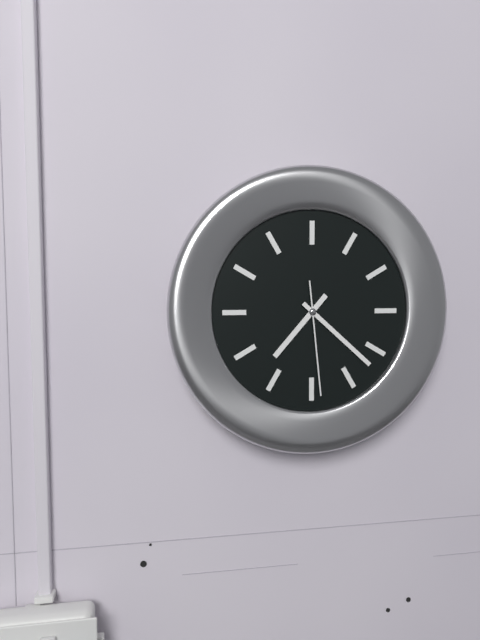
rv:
7 h 22 min 29 s
